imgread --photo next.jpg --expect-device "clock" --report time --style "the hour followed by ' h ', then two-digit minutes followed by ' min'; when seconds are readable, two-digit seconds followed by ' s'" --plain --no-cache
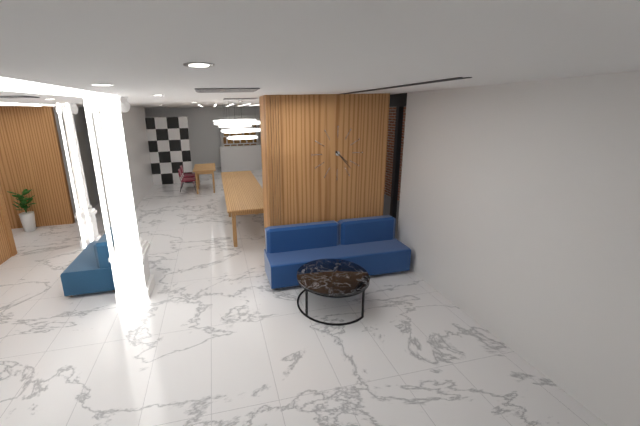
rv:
4 h 23 min
